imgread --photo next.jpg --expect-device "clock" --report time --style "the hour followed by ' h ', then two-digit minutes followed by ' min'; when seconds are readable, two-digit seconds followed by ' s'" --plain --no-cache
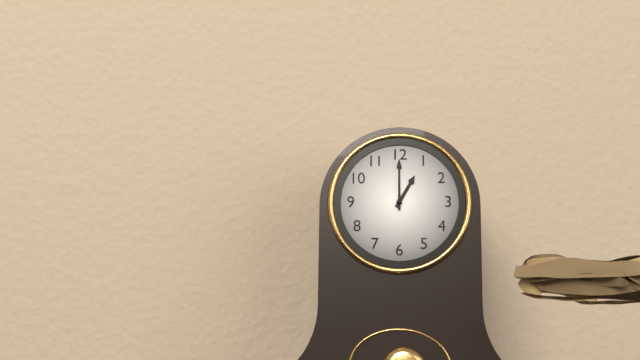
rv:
1 h 00 min
